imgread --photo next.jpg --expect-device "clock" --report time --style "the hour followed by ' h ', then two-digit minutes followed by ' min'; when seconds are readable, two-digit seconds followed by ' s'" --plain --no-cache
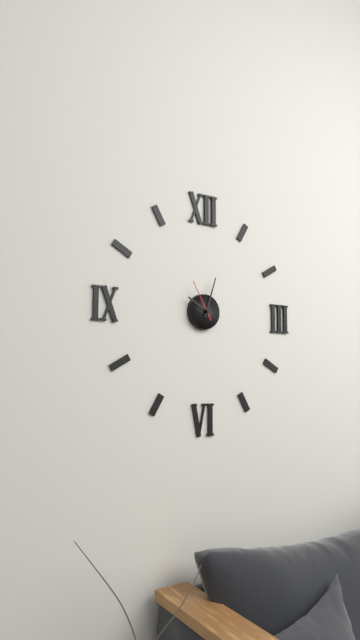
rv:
10 h 03 min
